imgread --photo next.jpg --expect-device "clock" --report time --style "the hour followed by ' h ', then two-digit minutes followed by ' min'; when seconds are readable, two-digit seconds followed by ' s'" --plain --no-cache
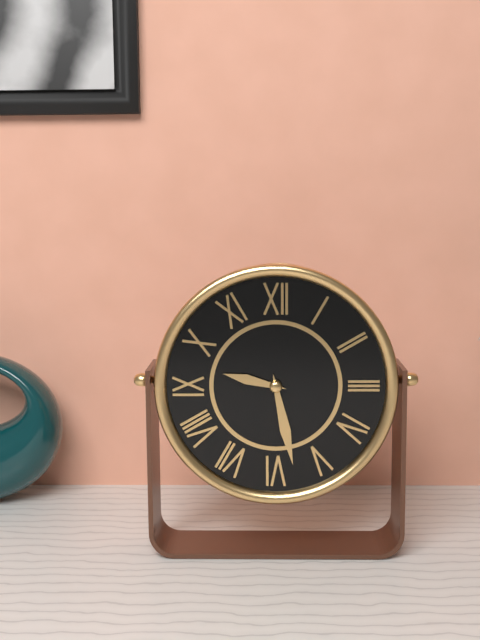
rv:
9 h 28 min
